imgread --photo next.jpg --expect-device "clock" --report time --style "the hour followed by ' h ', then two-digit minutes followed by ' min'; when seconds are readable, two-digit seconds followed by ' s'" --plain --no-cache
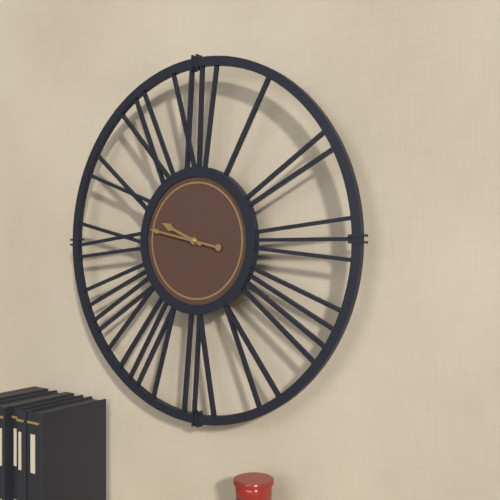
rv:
9 h 47 min
